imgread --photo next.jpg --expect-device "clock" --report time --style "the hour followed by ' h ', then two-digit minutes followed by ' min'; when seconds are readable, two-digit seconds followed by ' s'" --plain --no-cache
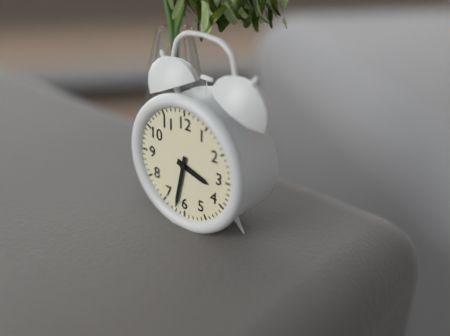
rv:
3 h 32 min
